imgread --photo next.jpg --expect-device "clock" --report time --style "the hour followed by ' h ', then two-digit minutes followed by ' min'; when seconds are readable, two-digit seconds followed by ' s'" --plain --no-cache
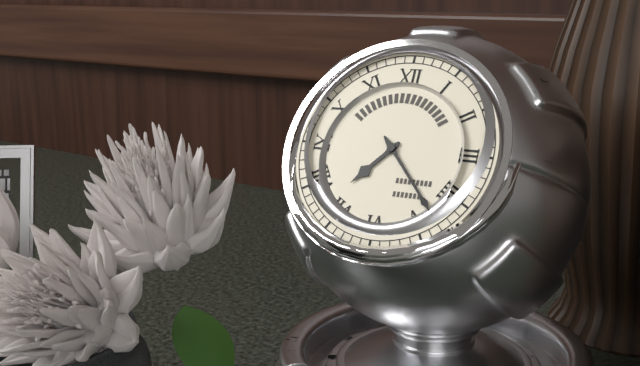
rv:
7 h 23 min
